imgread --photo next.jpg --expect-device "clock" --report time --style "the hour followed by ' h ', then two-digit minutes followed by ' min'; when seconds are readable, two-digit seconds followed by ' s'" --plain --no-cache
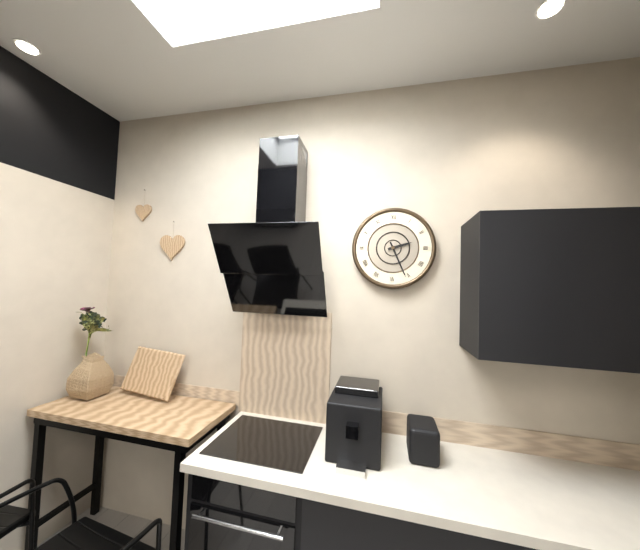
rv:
2 h 26 min
